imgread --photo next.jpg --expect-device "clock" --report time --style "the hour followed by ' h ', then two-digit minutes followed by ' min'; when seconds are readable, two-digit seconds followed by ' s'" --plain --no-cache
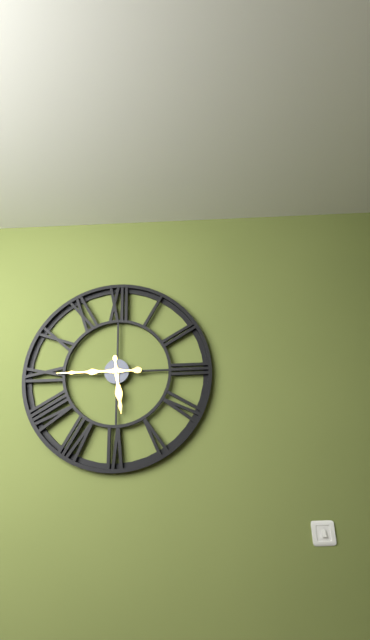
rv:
5 h 45 min
